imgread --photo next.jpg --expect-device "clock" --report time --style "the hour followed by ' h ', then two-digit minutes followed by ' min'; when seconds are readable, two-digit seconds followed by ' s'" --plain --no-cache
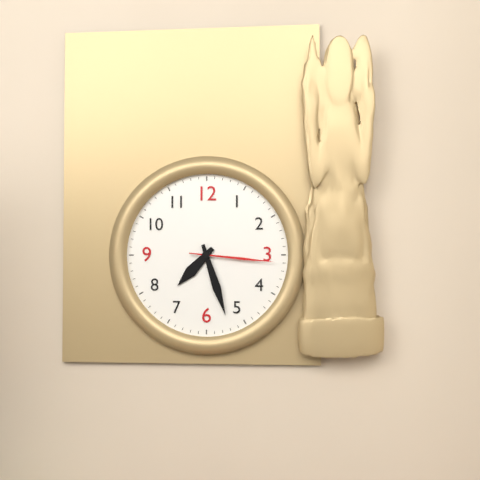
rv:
7 h 27 min 16 s
